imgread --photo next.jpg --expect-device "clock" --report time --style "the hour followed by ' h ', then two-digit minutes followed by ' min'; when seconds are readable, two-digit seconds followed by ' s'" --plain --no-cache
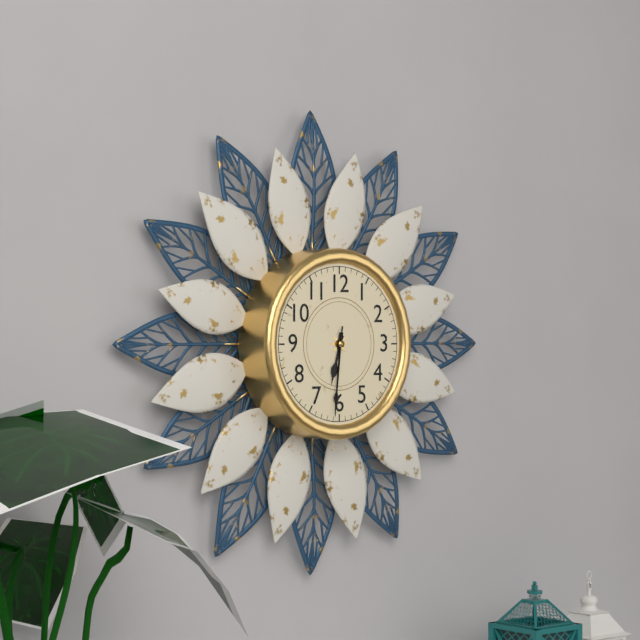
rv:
6 h 31 min 31 s
